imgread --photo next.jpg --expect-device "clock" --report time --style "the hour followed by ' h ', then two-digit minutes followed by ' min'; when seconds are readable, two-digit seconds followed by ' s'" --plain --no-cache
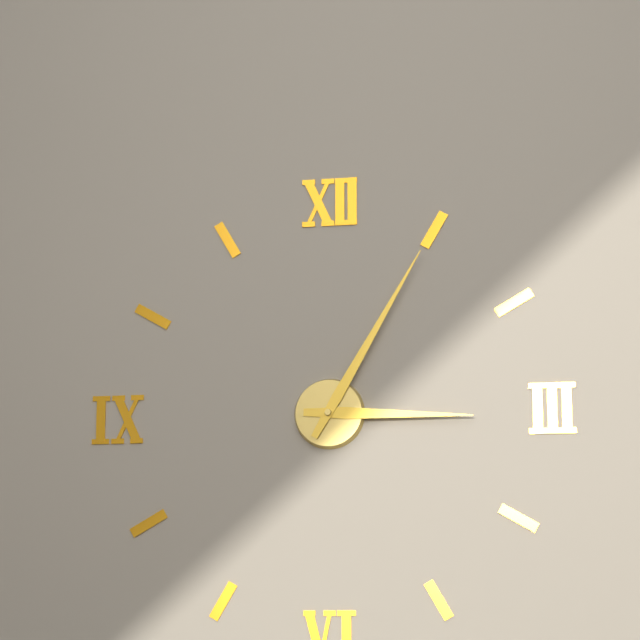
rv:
3 h 05 min
